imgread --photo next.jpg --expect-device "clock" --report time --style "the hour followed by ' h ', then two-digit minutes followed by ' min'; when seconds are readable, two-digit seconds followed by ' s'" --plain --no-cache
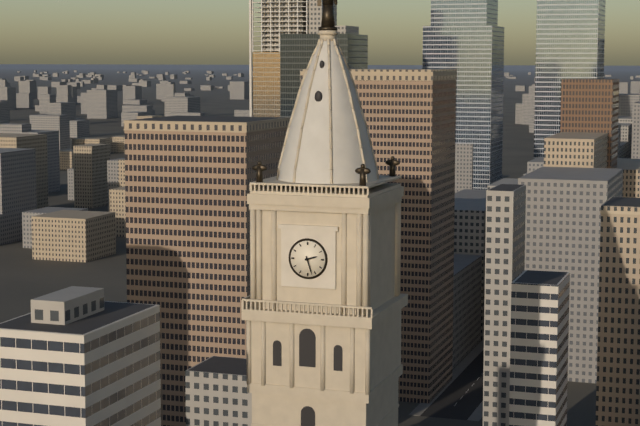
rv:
2 h 27 min
